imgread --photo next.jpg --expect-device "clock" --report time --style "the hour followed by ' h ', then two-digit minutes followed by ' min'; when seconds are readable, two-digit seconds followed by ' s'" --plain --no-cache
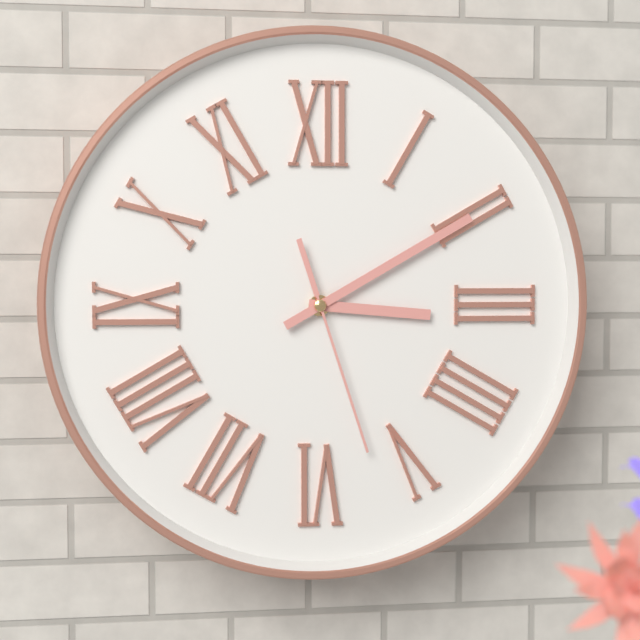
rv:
3 h 10 min 27 s
